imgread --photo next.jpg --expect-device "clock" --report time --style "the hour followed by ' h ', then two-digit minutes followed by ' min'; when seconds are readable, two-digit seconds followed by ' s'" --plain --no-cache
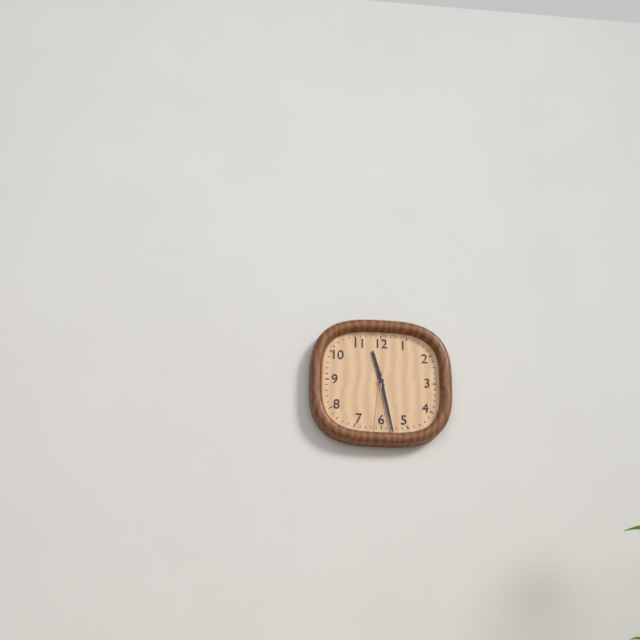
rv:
11 h 28 min 31 s
